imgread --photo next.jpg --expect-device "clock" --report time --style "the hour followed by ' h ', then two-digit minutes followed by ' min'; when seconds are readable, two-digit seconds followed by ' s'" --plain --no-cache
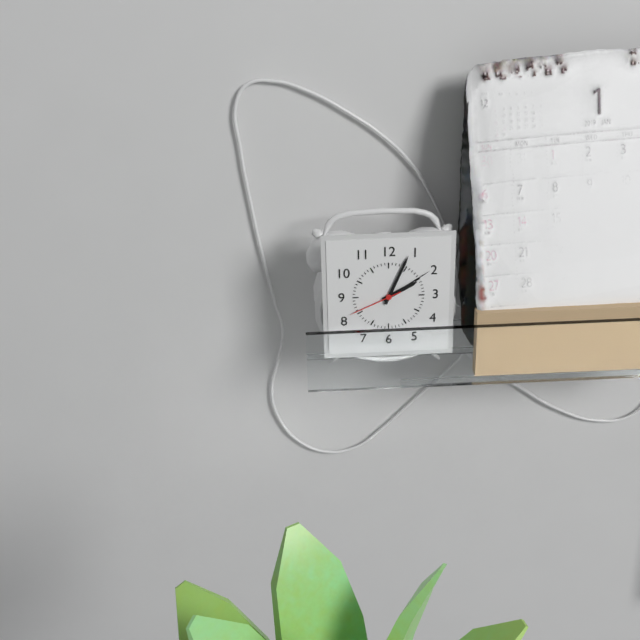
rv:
2 h 04 min 41 s
